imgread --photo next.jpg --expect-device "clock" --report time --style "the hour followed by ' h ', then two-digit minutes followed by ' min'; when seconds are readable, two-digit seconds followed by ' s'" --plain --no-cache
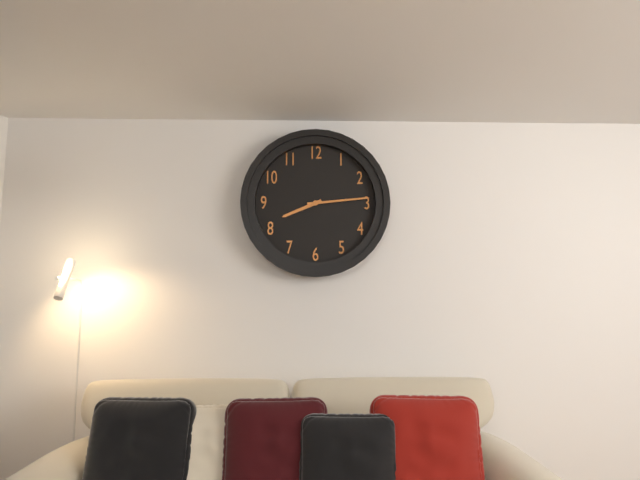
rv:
8 h 14 min
